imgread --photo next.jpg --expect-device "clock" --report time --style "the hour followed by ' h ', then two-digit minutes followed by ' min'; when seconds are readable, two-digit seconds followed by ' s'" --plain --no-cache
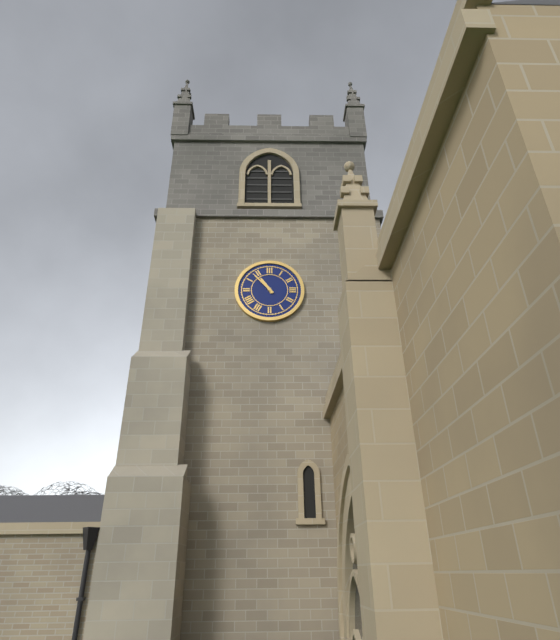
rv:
10 h 53 min
